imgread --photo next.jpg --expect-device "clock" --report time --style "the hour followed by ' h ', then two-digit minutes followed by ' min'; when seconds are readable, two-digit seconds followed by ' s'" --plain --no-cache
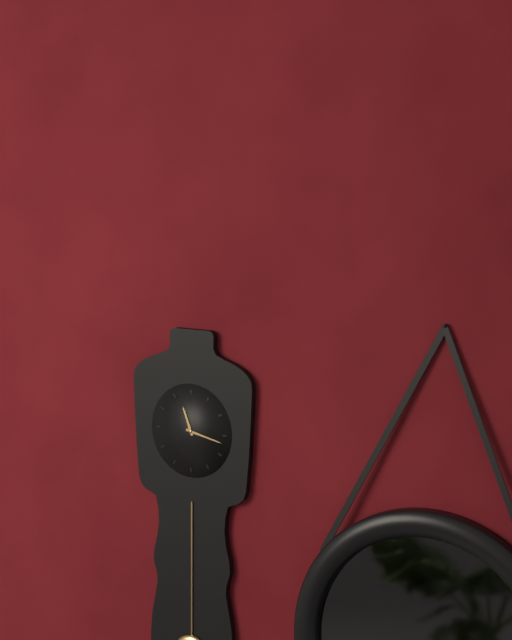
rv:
11 h 17 min
